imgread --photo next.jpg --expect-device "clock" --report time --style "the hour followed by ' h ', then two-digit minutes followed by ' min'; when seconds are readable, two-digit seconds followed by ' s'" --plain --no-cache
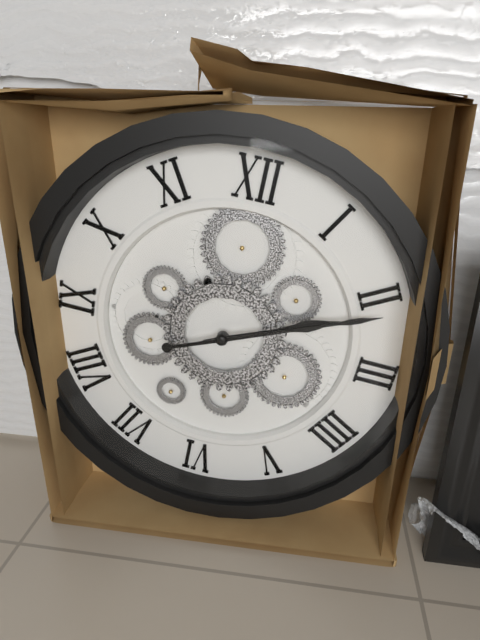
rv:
2 h 11 min
